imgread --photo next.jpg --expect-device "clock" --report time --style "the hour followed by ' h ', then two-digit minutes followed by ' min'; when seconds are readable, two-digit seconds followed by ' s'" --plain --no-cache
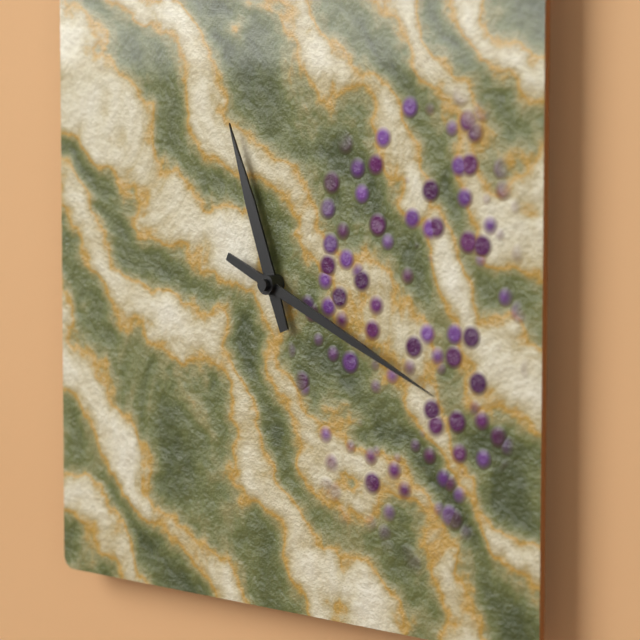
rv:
11 h 19 min
